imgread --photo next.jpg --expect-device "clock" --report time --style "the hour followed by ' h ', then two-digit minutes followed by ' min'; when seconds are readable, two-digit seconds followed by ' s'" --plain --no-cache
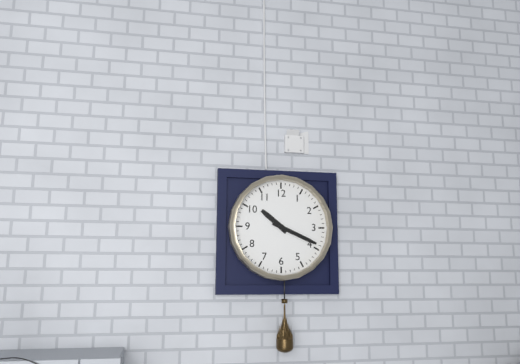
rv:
10 h 19 min
